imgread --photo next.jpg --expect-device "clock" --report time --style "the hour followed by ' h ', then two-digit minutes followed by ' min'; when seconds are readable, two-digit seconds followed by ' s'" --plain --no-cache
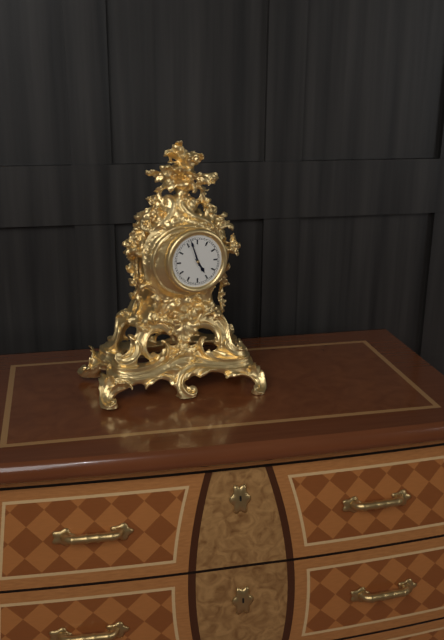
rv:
4 h 57 min
